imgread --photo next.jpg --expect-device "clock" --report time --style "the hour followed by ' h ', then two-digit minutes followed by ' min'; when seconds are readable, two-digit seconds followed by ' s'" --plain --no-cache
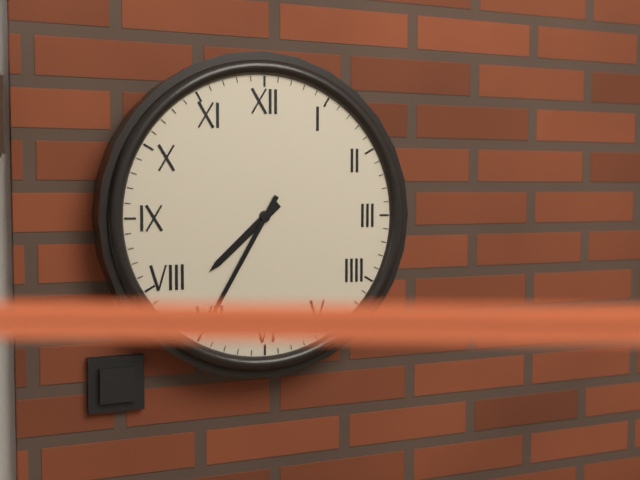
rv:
7 h 35 min
